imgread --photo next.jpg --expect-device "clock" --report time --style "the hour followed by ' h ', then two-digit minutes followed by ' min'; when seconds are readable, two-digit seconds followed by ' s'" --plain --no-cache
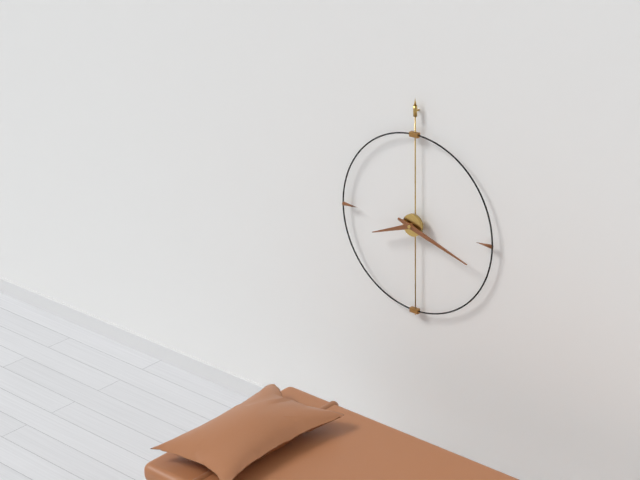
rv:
8 h 18 min
